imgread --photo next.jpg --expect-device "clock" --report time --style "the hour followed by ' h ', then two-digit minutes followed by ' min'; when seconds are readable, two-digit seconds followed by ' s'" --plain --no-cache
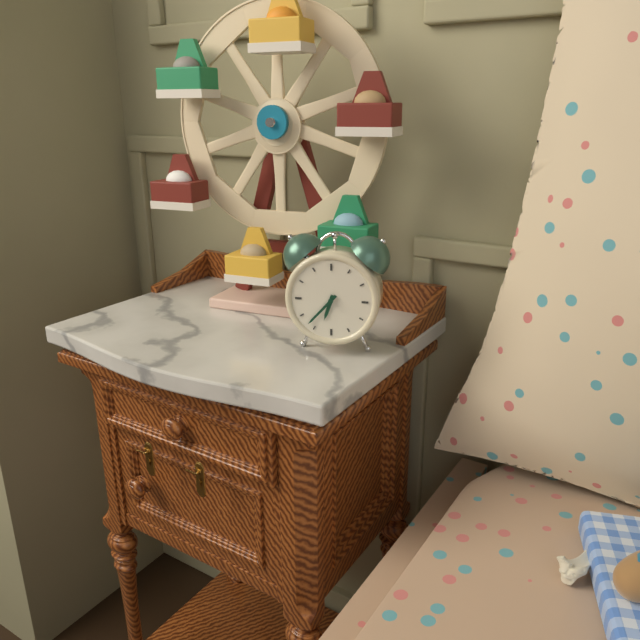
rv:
6 h 37 min
